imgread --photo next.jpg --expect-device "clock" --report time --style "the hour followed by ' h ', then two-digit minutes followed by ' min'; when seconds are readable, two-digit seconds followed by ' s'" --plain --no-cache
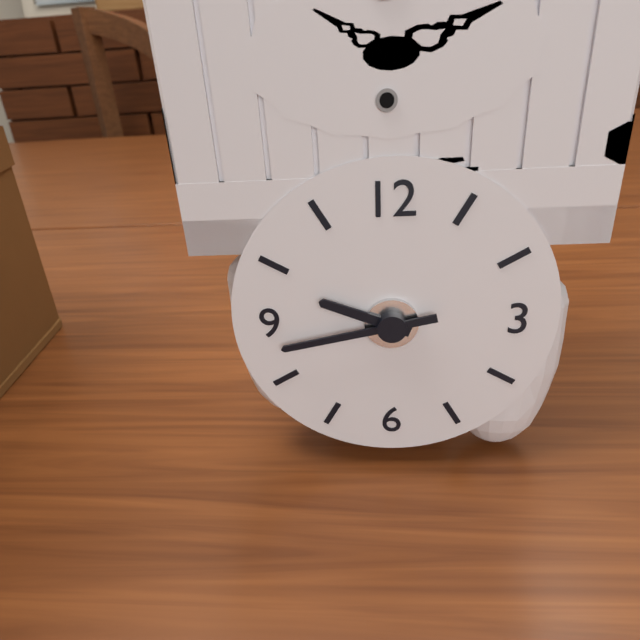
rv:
9 h 43 min
